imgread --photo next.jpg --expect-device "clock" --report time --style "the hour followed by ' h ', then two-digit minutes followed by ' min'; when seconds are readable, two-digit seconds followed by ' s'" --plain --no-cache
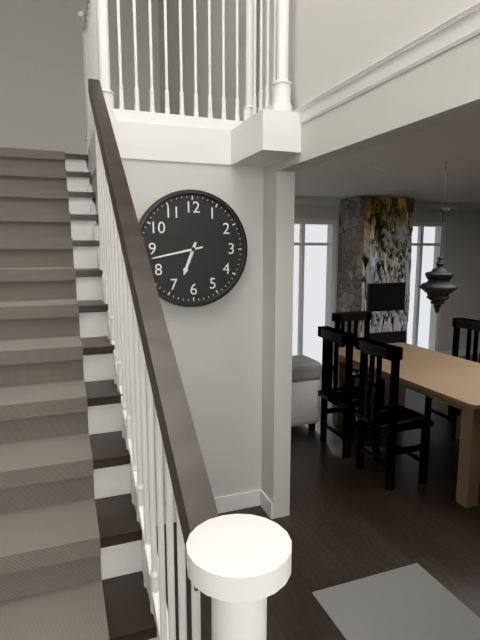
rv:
6 h 43 min
